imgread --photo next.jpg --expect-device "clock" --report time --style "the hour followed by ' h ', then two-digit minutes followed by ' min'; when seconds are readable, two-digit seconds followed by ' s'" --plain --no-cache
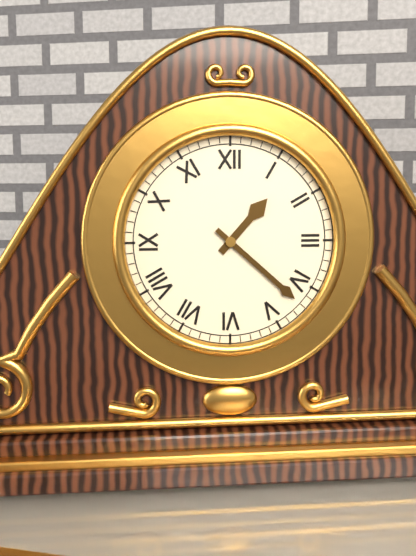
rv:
1 h 22 min
